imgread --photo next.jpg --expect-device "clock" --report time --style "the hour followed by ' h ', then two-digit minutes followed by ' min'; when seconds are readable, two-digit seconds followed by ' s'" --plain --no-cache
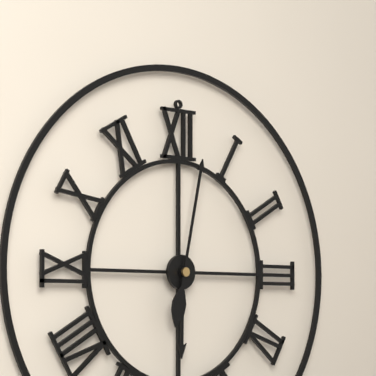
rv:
6 h 02 min
